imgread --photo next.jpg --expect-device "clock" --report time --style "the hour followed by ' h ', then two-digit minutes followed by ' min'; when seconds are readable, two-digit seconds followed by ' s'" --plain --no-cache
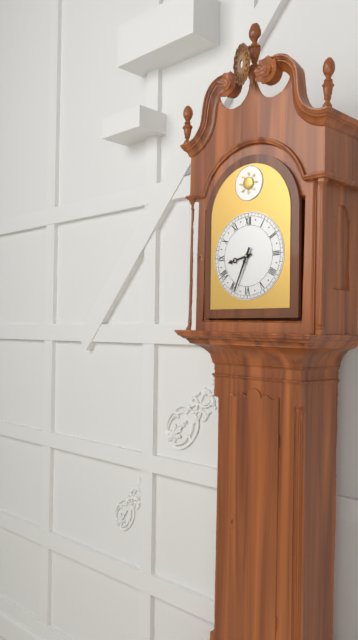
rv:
8 h 34 min
